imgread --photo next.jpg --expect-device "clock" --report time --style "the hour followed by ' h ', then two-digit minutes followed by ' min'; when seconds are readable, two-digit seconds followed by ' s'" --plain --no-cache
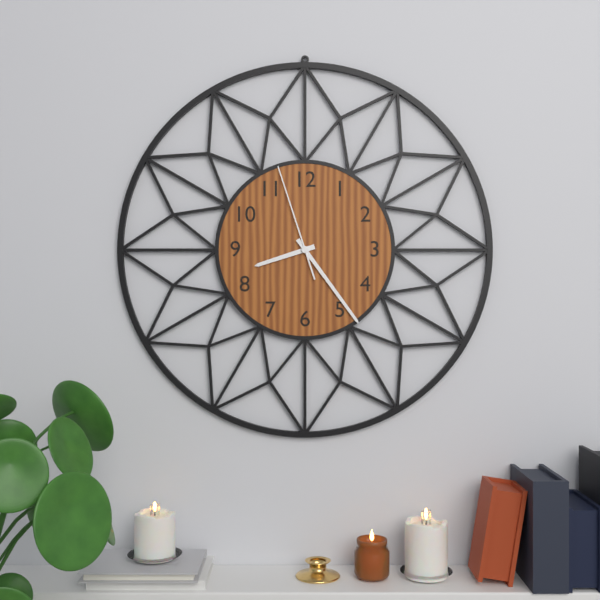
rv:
8 h 24 min 57 s
